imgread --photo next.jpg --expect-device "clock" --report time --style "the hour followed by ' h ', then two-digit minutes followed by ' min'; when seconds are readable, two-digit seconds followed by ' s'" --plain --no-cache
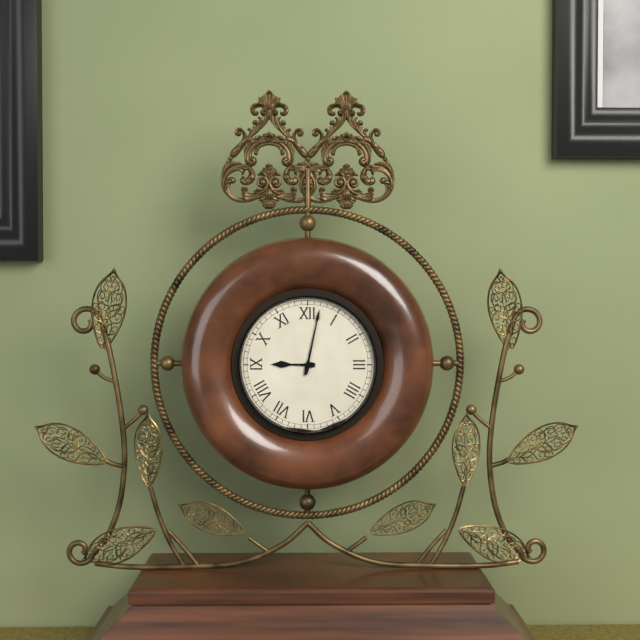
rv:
9 h 02 min
